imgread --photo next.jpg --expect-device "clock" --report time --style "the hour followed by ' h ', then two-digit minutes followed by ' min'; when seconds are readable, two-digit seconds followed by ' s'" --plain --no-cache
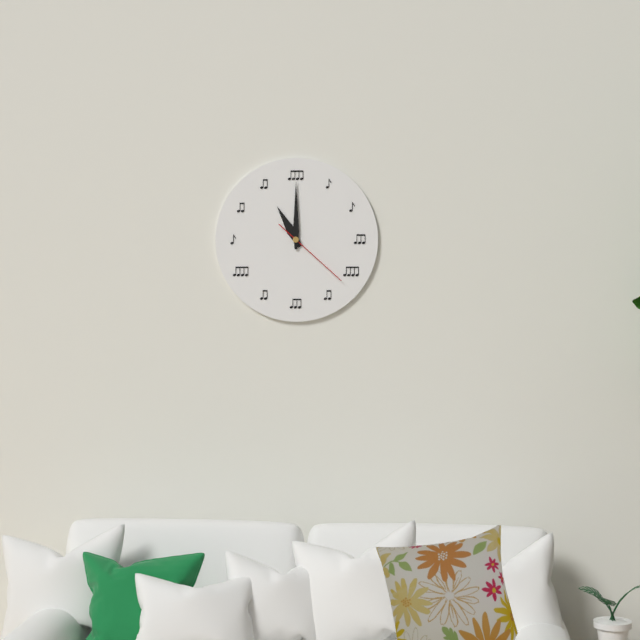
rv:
11 h 00 min 22 s
